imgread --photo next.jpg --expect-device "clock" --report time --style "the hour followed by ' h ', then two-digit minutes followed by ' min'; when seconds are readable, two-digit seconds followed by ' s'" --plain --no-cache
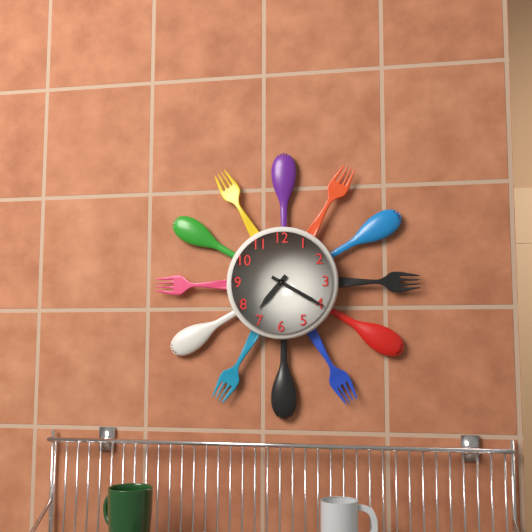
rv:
7 h 20 min
